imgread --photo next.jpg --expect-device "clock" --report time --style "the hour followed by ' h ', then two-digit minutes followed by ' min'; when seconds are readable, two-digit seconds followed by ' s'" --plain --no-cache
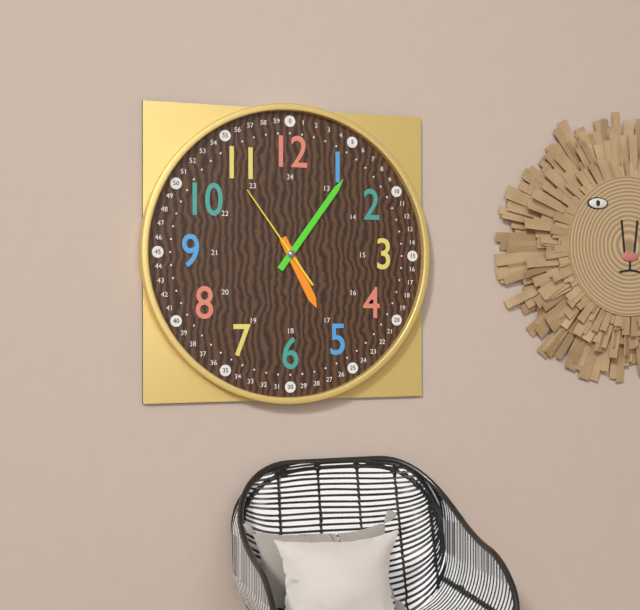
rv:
5 h 06 min 54 s
